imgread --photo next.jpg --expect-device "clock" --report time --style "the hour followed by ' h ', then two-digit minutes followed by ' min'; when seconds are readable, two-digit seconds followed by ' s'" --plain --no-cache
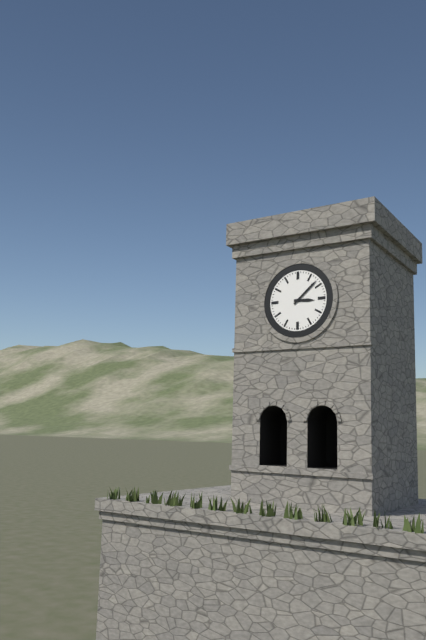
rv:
3 h 08 min
